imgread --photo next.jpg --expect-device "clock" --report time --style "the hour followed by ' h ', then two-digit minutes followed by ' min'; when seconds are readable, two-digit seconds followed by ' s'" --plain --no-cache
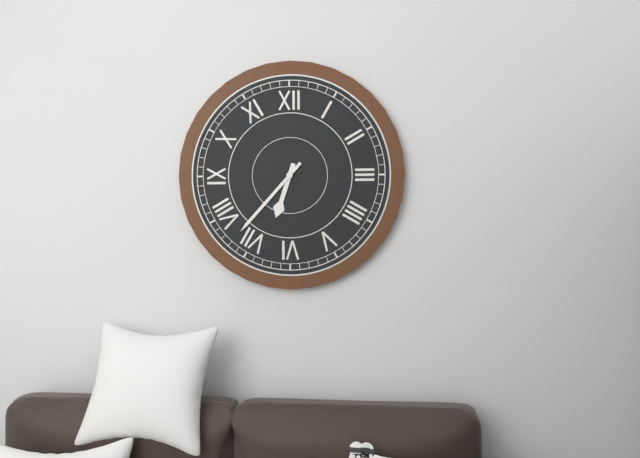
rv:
6 h 37 min
